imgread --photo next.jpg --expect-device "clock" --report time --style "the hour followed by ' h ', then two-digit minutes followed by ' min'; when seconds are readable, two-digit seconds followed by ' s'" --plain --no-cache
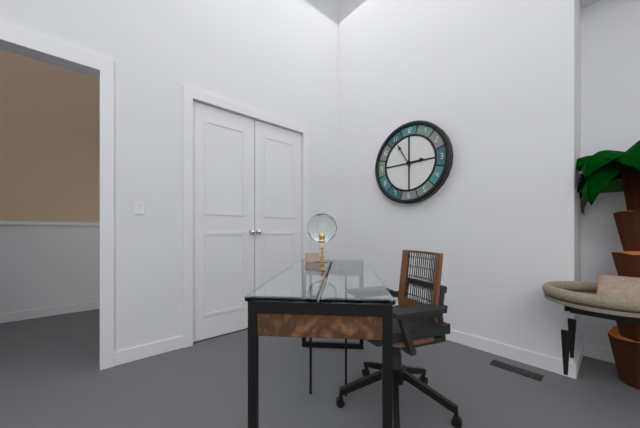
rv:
2 h 55 min
